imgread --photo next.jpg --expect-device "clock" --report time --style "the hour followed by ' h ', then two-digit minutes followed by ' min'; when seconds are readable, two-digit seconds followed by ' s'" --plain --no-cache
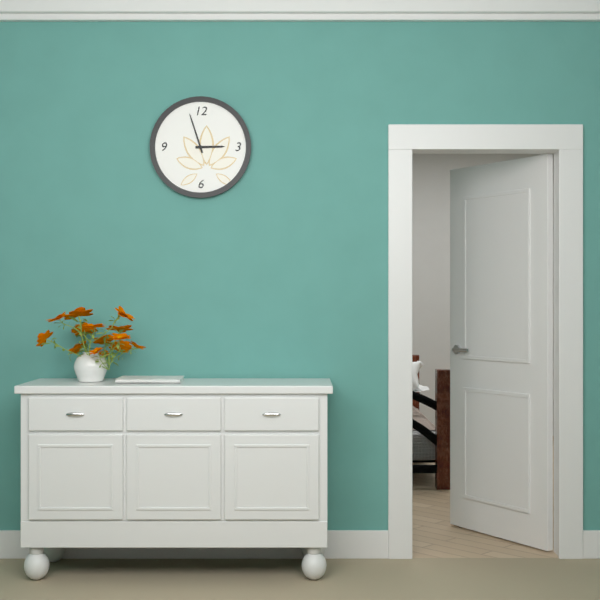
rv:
2 h 57 min
